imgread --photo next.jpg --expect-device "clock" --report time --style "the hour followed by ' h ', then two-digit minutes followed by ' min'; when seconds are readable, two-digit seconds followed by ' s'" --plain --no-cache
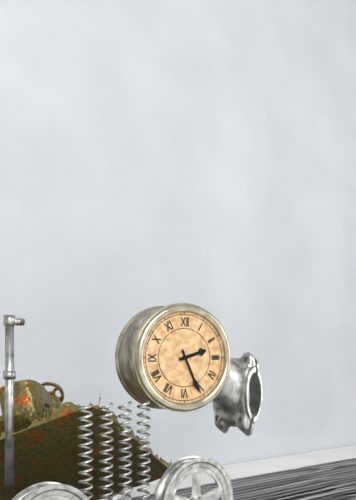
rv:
2 h 26 min
